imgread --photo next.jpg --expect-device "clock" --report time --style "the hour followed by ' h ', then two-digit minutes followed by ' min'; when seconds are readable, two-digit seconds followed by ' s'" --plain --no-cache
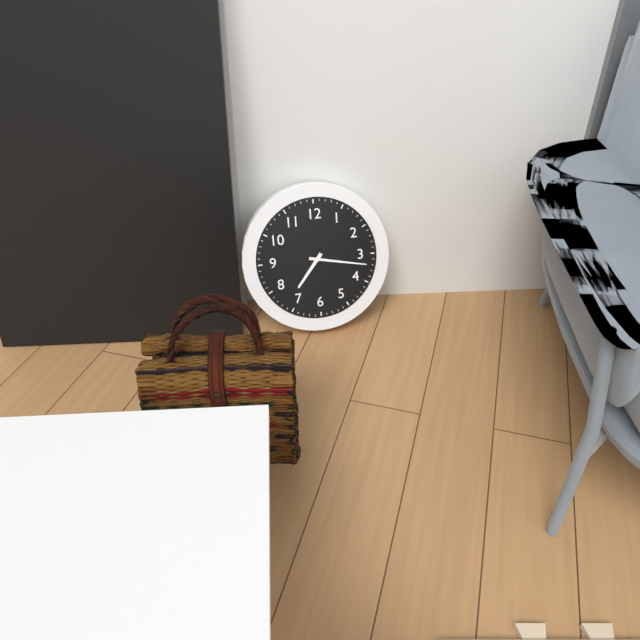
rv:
7 h 17 min
